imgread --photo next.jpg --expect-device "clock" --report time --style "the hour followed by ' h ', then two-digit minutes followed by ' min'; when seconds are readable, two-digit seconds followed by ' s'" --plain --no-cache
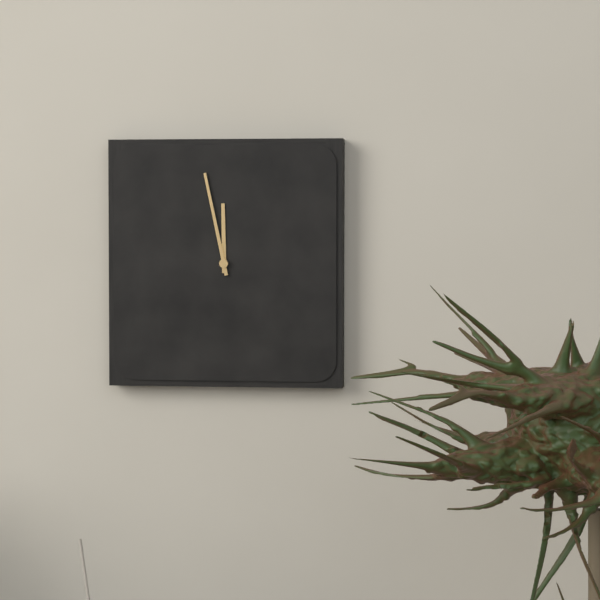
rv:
11 h 58 min
